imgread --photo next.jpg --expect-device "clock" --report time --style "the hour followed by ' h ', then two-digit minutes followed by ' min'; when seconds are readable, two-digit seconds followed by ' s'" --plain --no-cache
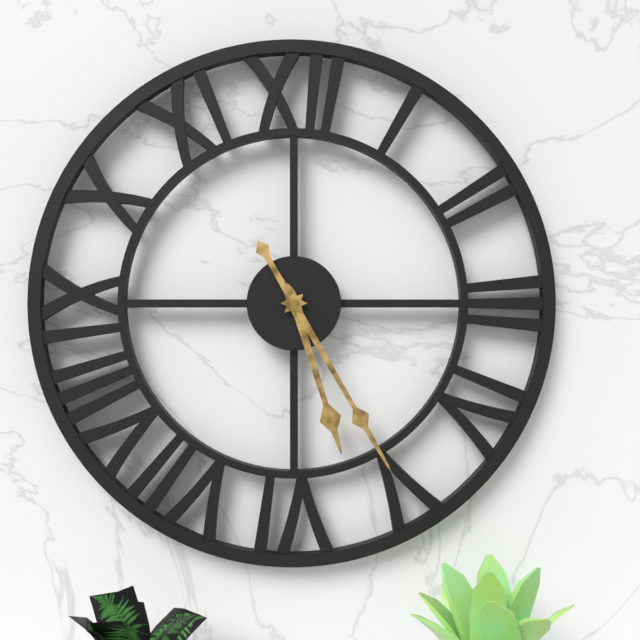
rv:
5 h 25 min
